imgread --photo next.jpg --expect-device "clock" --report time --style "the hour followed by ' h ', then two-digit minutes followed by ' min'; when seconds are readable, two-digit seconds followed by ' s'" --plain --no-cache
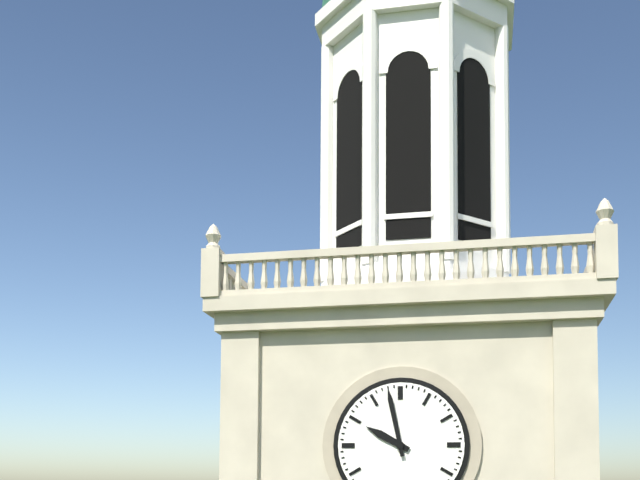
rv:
9 h 58 min
